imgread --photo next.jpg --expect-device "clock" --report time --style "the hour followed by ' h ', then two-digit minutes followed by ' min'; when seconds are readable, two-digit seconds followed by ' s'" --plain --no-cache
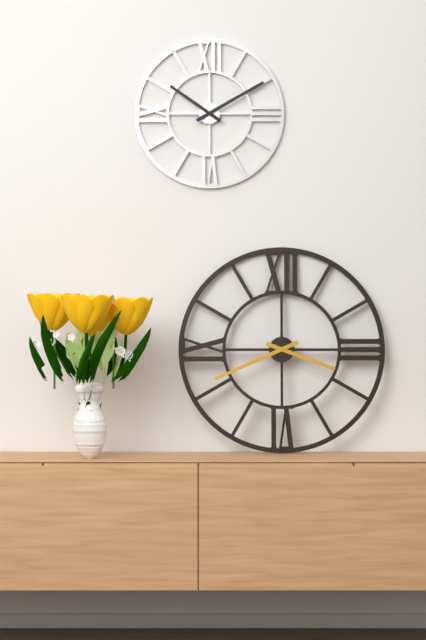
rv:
3 h 41 min
